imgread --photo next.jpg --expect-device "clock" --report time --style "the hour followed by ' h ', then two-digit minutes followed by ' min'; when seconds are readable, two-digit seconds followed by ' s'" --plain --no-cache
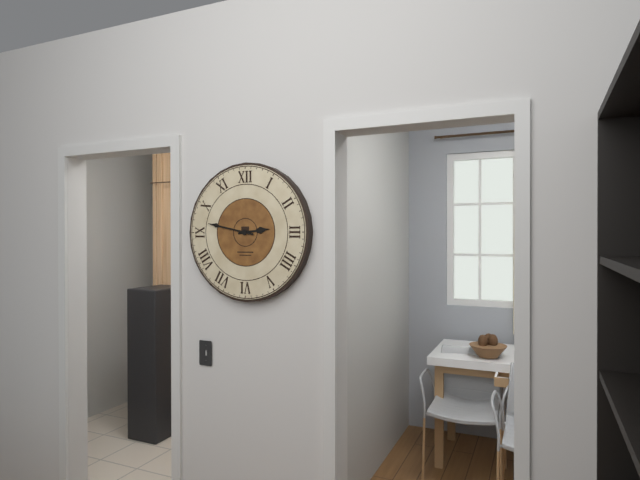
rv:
2 h 47 min
